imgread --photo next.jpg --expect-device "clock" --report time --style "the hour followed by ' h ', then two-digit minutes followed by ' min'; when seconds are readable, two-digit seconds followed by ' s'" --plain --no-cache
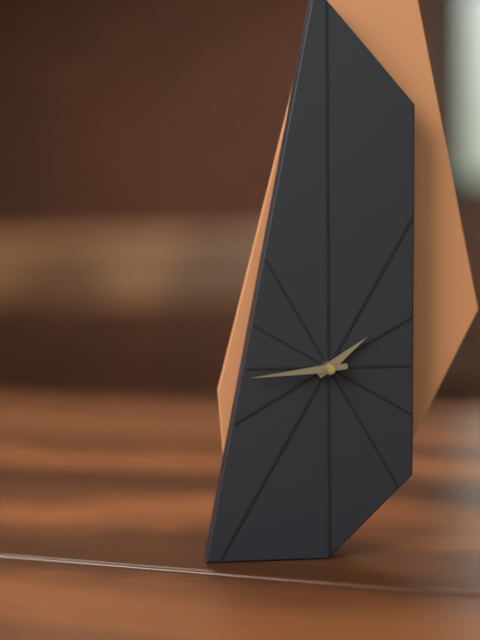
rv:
1 h 44 min
